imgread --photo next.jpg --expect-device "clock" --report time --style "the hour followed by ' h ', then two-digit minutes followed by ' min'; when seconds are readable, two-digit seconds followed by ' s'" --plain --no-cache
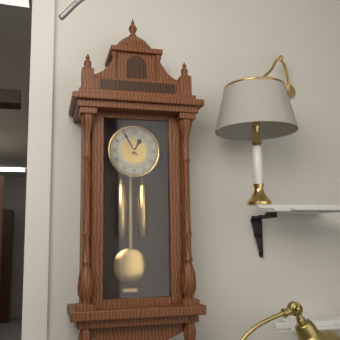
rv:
12 h 55 min
